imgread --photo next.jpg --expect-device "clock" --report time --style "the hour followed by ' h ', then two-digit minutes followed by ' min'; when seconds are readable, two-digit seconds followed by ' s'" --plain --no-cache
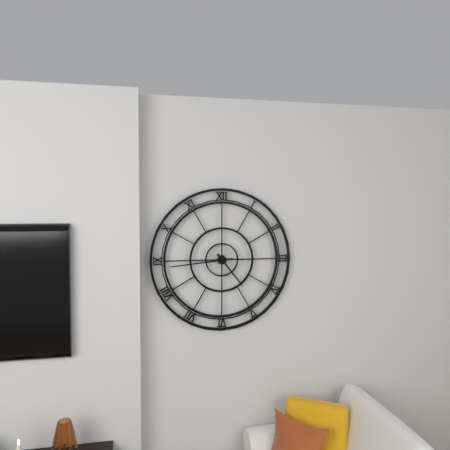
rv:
4 h 44 min
